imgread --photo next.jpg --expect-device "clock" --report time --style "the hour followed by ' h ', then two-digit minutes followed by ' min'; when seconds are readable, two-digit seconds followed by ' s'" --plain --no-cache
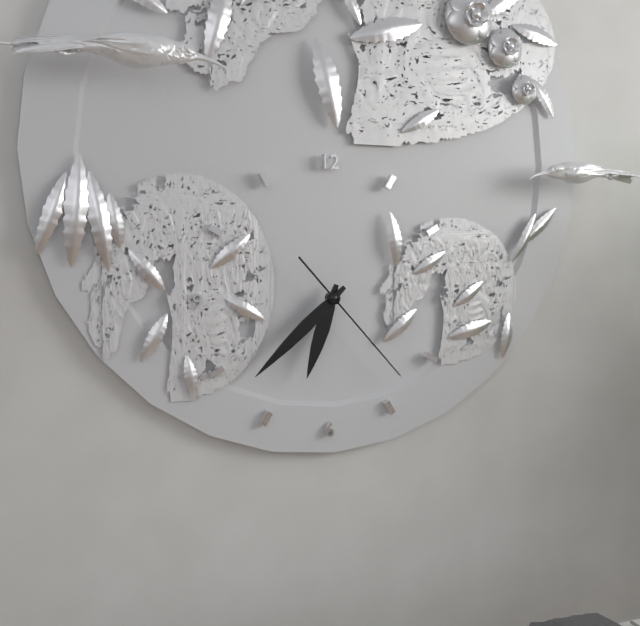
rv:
6 h 38 min 23 s
